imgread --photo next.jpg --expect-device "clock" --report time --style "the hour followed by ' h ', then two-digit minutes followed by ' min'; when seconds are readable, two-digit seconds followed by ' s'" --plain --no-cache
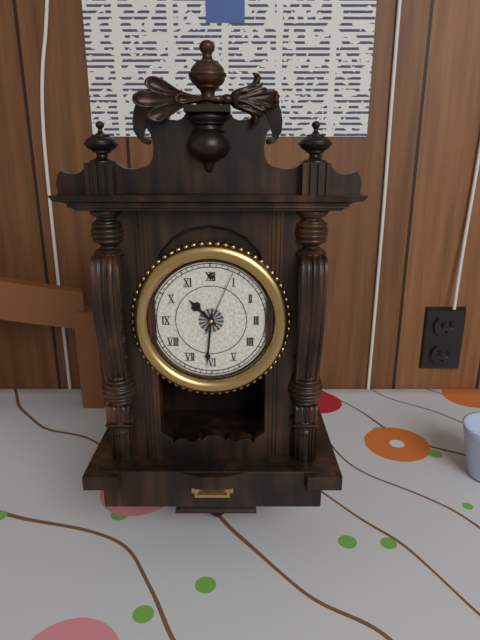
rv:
10 h 31 min 04 s
